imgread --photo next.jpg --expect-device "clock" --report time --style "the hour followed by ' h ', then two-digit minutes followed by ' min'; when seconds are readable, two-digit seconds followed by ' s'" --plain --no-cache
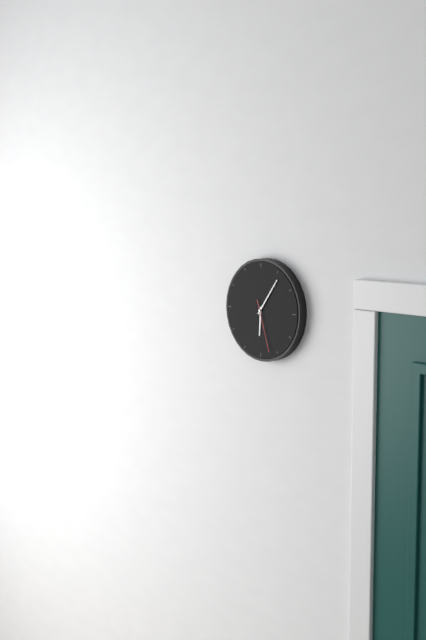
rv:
6 h 06 min 27 s
